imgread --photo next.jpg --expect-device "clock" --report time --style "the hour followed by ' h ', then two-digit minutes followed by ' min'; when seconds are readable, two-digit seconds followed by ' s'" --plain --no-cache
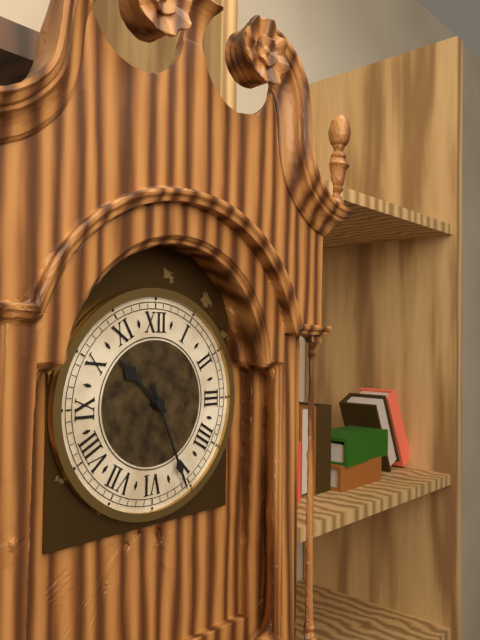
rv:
10 h 26 min
